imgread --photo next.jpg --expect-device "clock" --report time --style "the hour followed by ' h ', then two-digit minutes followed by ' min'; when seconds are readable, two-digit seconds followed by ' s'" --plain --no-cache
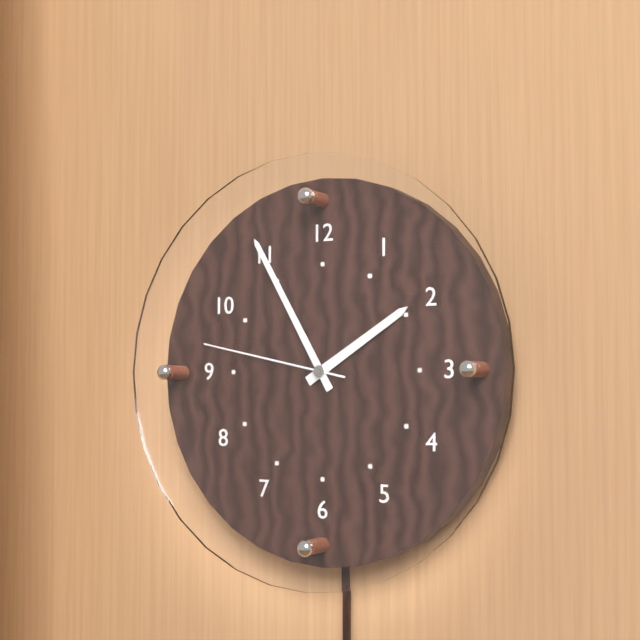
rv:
1 h 55 min 47 s
